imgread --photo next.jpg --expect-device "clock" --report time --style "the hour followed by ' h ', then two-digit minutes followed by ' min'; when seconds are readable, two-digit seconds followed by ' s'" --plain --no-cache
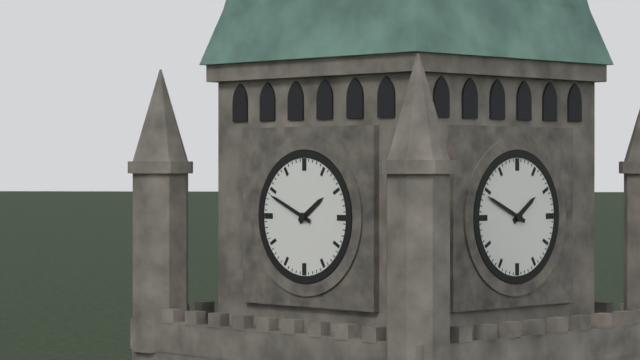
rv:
1 h 49 min
